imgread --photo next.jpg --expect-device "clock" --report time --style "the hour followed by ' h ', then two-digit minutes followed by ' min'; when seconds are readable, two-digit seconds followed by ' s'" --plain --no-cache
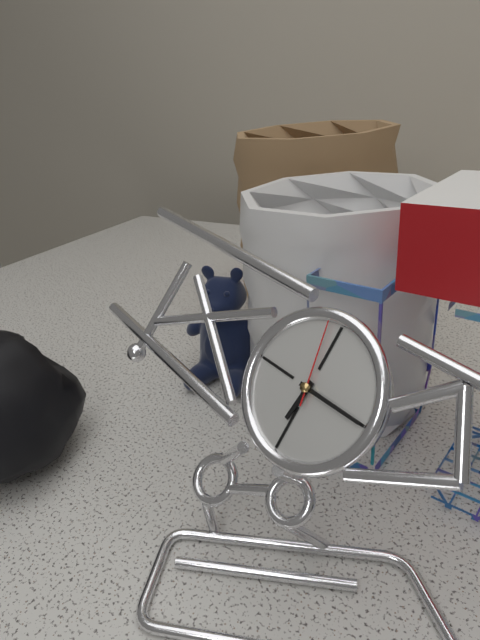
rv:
6 h 15 min 58 s
